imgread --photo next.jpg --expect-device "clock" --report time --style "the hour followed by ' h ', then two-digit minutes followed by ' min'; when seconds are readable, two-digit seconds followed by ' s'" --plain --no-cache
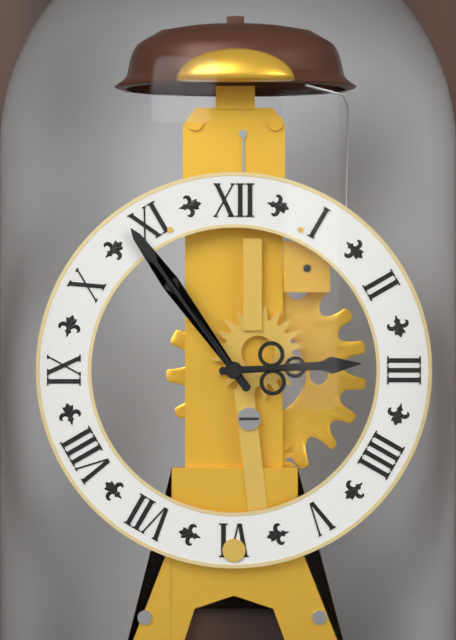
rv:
2 h 54 min
